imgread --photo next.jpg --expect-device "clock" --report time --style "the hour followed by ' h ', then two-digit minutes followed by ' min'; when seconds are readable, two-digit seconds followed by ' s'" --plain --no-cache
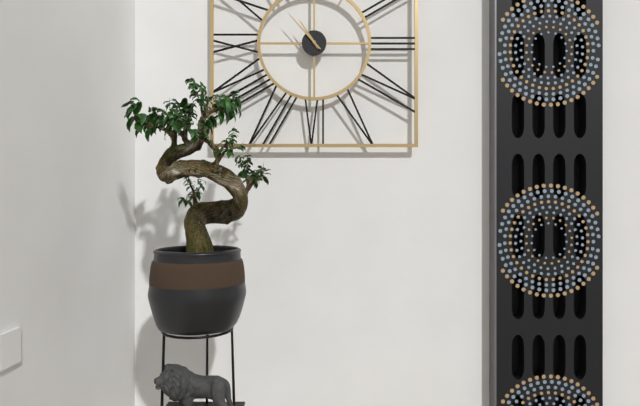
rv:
10 h 53 min
